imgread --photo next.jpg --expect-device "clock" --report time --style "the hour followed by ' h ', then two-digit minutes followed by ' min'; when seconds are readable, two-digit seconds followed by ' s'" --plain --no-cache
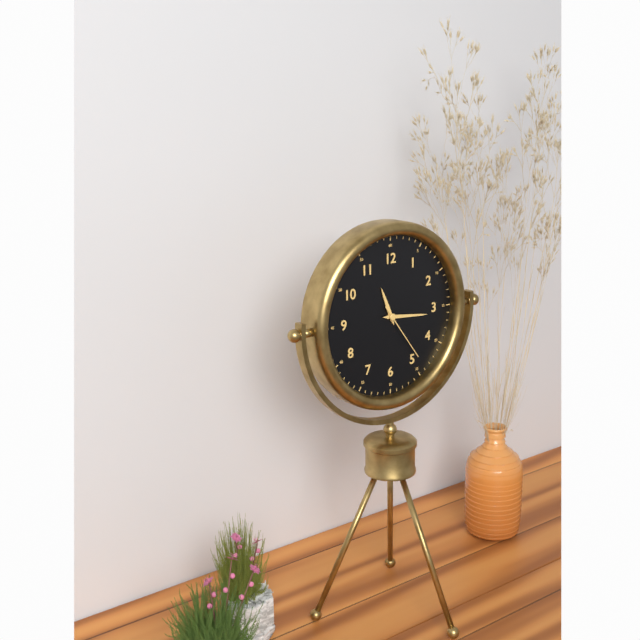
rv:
11 h 16 min 24 s
